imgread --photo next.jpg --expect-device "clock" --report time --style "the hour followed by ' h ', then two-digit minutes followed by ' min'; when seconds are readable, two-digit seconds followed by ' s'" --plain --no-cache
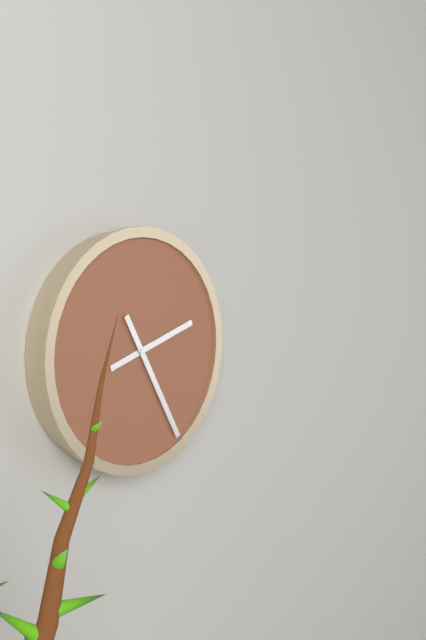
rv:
2 h 25 min
